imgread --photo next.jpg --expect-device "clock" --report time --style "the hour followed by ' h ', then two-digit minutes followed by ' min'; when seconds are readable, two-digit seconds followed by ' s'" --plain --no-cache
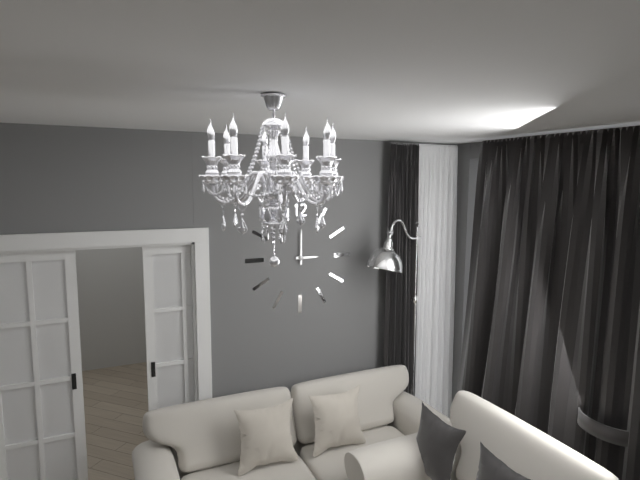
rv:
3 h 00 min
